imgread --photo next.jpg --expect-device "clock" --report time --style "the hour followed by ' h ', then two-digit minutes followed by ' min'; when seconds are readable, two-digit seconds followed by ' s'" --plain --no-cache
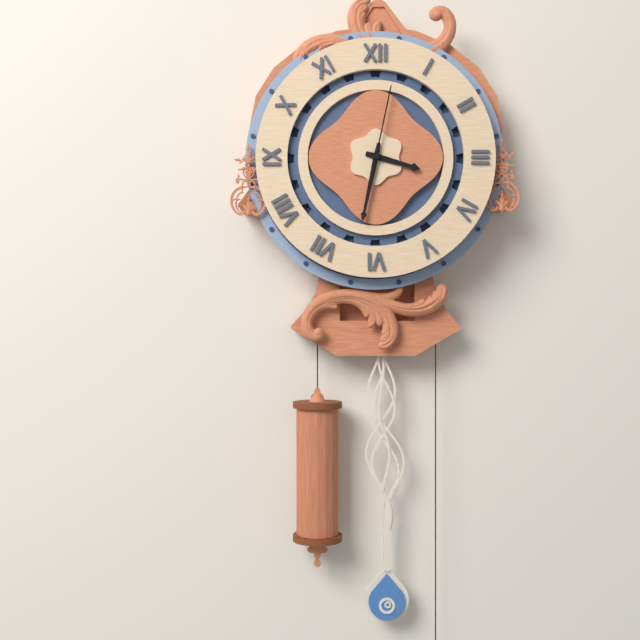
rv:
3 h 32 min 02 s
